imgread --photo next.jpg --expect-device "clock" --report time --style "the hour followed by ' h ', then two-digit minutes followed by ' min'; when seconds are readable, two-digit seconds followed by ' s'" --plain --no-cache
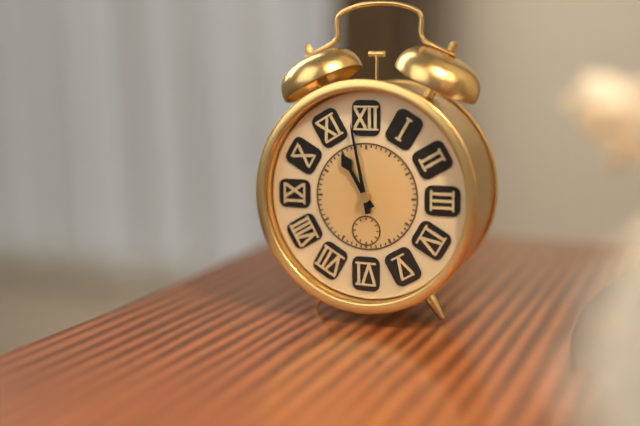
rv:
10 h 58 min
